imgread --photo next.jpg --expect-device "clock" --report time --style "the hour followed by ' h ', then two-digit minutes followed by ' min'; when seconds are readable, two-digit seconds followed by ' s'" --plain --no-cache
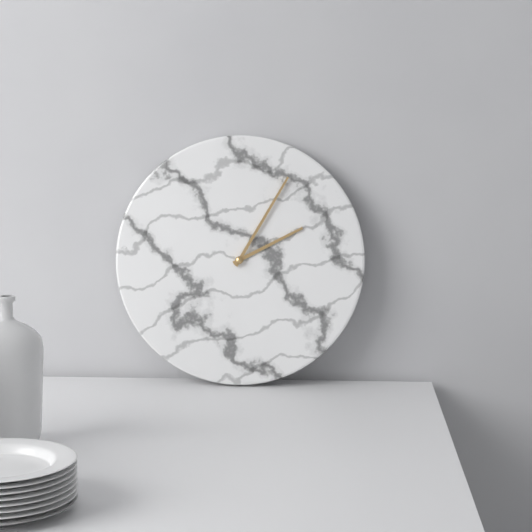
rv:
2 h 05 min
